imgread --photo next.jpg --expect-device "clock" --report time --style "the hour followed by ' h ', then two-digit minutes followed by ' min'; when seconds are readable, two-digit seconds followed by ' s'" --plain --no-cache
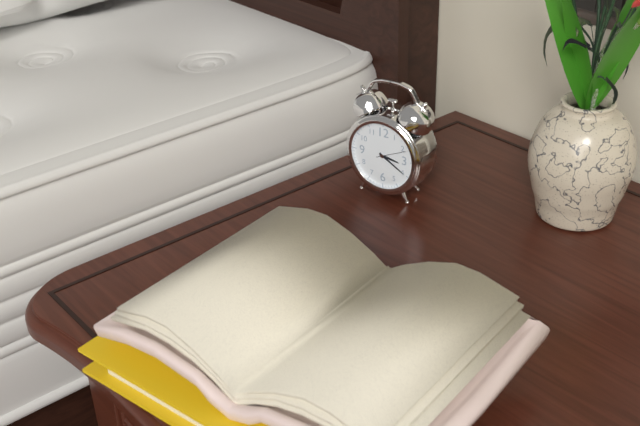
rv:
3 h 20 min
